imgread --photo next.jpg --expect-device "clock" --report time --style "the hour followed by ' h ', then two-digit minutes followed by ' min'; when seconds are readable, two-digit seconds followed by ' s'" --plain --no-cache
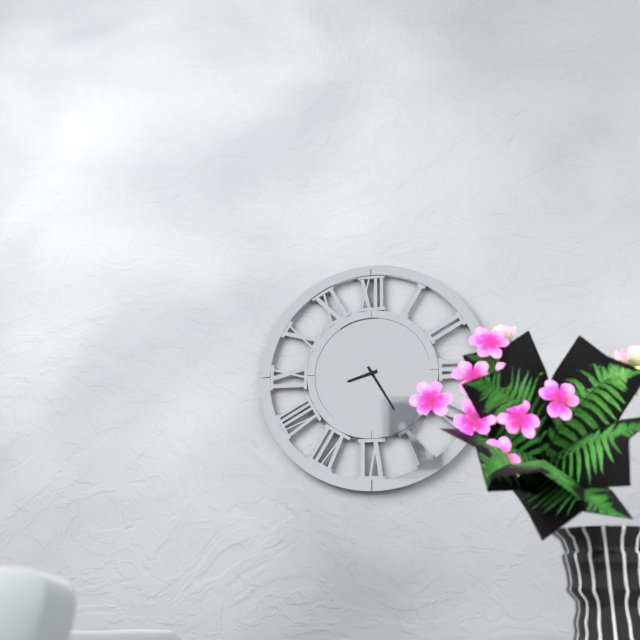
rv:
8 h 25 min
